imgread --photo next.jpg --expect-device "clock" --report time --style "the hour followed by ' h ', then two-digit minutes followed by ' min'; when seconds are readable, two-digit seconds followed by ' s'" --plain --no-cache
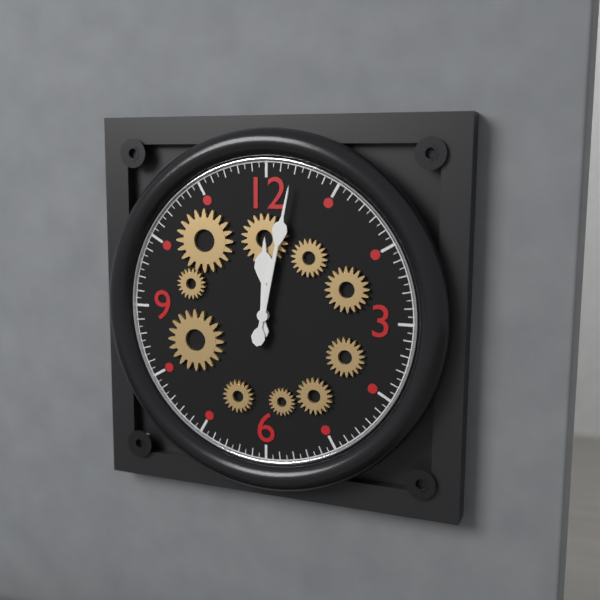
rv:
12 h 02 min
